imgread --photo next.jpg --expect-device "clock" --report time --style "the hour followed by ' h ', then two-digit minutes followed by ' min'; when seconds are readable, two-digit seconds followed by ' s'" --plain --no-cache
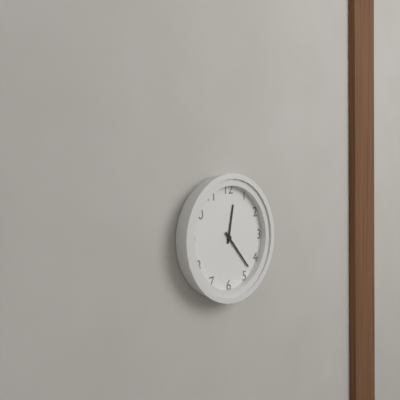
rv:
12 h 23 min
